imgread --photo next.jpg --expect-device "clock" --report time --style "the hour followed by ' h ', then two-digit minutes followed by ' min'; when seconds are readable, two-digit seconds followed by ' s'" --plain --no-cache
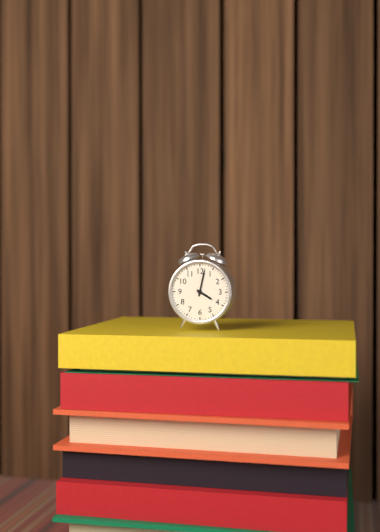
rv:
4 h 02 min
